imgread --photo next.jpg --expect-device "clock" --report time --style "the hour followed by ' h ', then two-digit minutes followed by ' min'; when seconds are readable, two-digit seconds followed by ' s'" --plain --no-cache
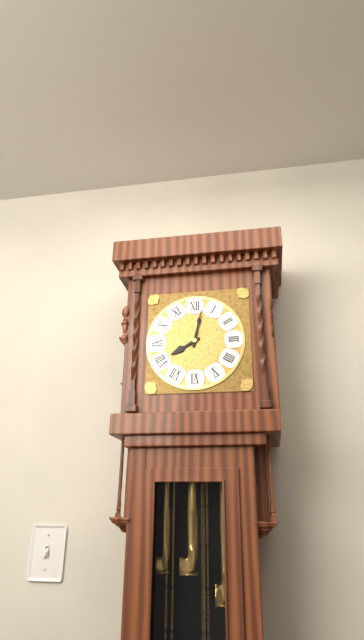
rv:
8 h 02 min
